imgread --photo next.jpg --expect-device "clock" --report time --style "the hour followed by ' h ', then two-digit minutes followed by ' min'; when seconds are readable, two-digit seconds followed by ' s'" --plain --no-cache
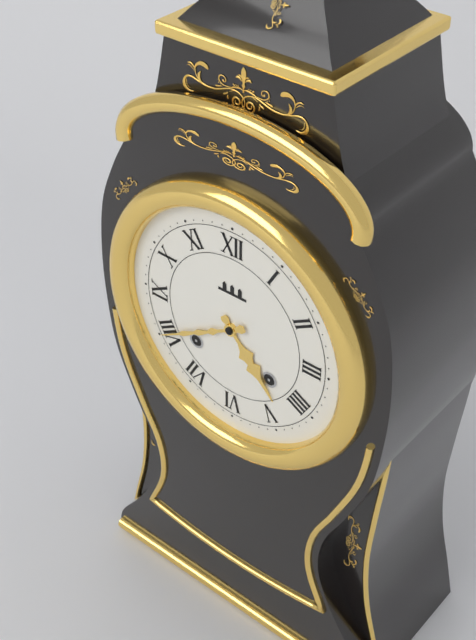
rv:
4 h 40 min
